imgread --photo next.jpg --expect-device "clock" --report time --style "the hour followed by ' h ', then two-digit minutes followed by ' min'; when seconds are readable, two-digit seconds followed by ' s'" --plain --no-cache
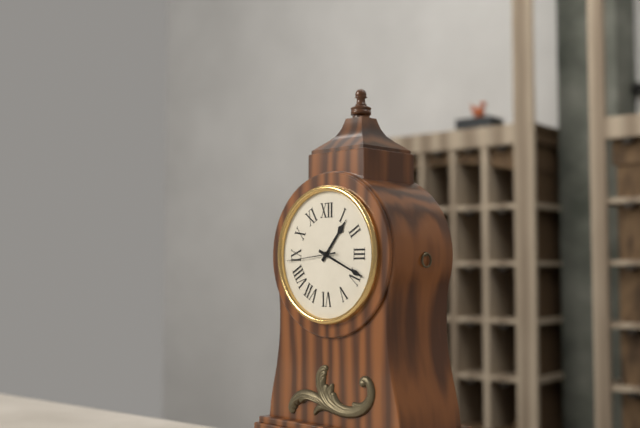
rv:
1 h 19 min 44 s
